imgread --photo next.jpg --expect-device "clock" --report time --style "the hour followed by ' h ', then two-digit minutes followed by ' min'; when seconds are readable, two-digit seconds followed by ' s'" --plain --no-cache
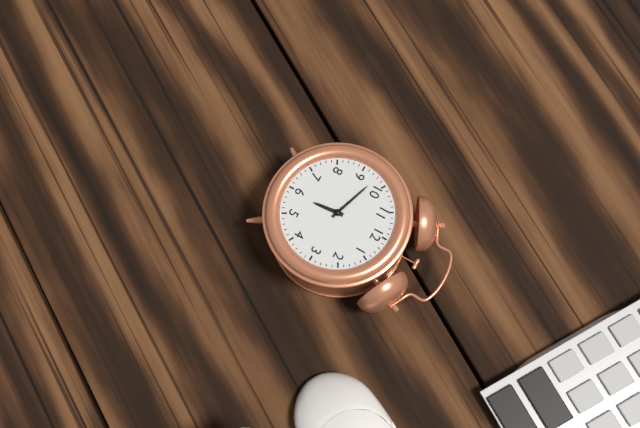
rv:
5 h 48 min
